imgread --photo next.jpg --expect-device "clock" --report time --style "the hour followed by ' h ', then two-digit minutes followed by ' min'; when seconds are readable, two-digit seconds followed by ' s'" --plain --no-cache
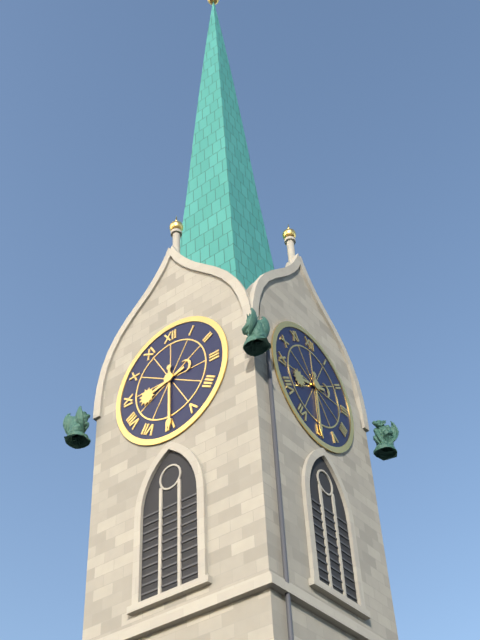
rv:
8 h 30 min
